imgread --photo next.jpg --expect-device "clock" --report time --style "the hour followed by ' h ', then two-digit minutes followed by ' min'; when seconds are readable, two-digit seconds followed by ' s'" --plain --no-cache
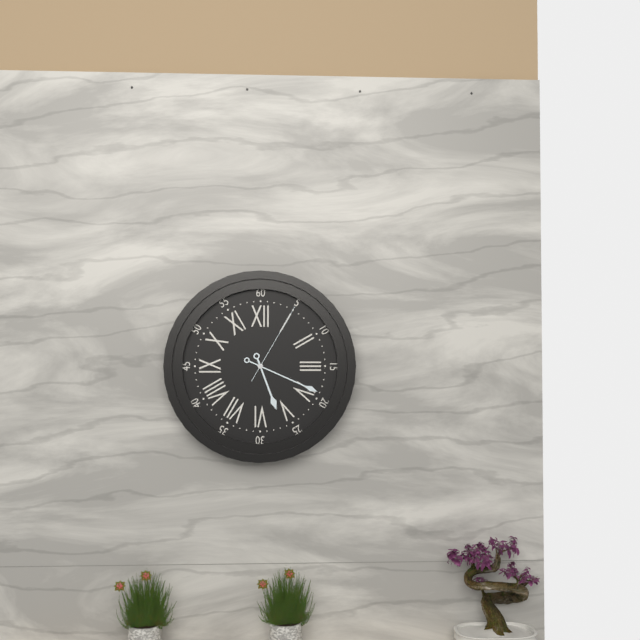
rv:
5 h 19 min 05 s
